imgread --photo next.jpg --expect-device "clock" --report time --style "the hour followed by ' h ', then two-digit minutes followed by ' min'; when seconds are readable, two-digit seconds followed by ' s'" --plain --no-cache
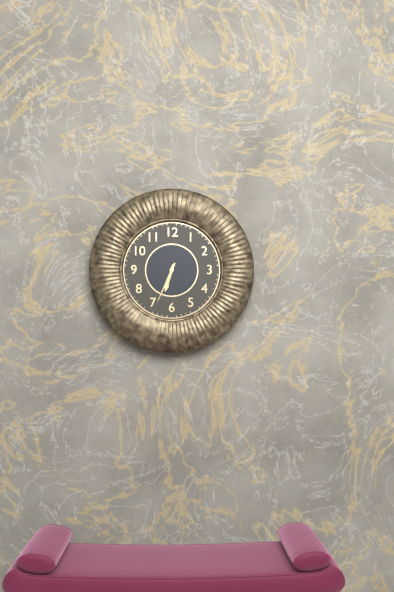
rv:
6 h 34 min
